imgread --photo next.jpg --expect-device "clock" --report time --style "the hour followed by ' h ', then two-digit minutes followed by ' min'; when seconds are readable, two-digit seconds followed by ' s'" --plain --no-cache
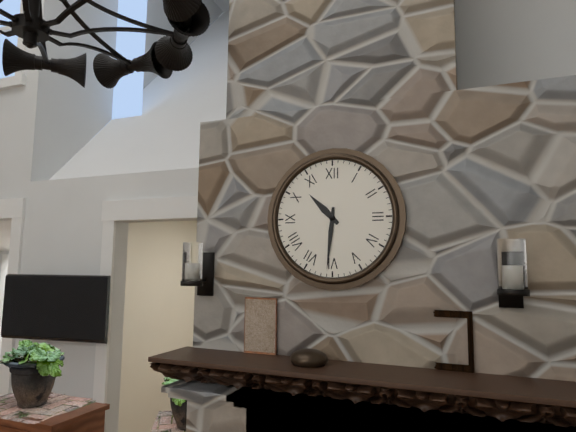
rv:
10 h 31 min
